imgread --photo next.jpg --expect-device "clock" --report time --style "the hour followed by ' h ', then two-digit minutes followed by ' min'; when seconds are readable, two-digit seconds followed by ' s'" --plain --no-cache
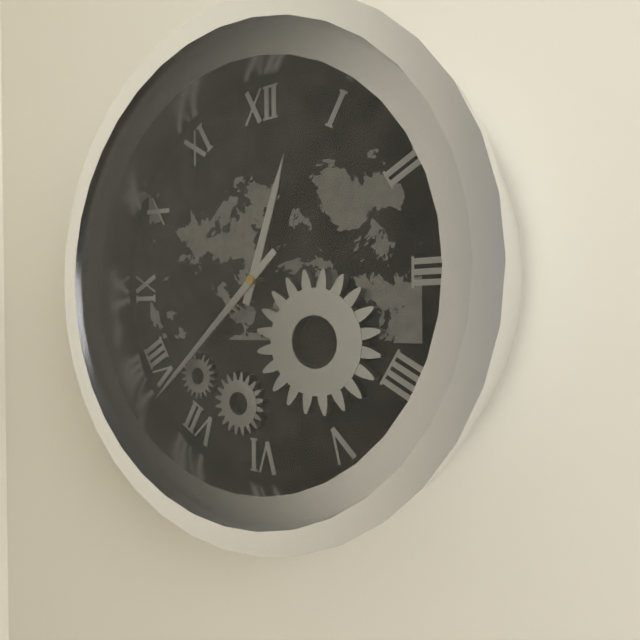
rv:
12 h 38 min
